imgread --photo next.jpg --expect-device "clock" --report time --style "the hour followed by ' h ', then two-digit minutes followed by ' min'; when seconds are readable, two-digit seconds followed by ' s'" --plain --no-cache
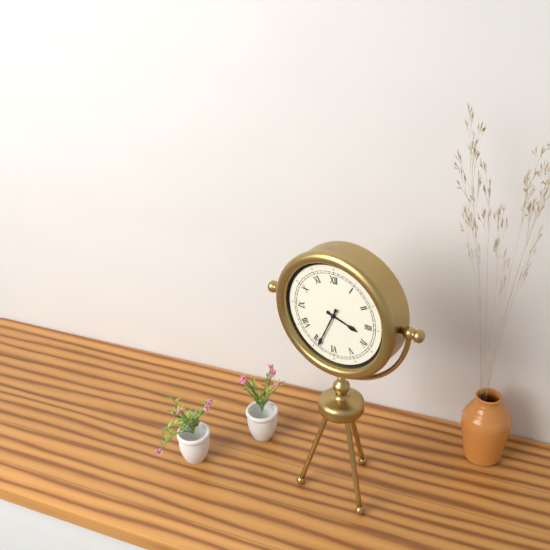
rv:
3 h 34 min
